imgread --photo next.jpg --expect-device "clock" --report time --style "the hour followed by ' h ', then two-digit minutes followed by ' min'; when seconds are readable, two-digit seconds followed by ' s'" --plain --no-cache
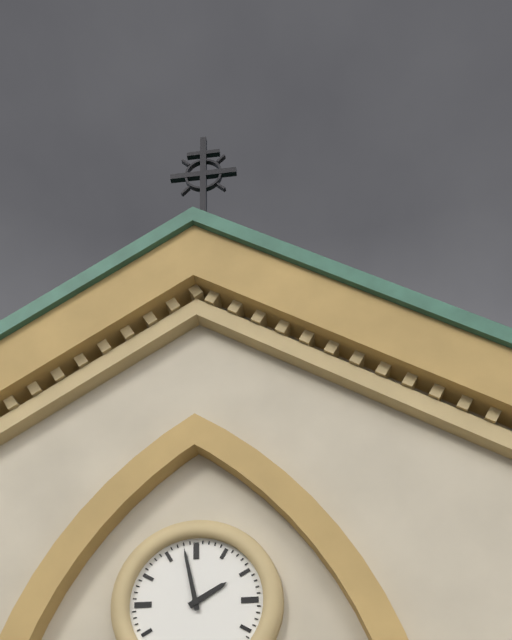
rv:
1 h 58 min
